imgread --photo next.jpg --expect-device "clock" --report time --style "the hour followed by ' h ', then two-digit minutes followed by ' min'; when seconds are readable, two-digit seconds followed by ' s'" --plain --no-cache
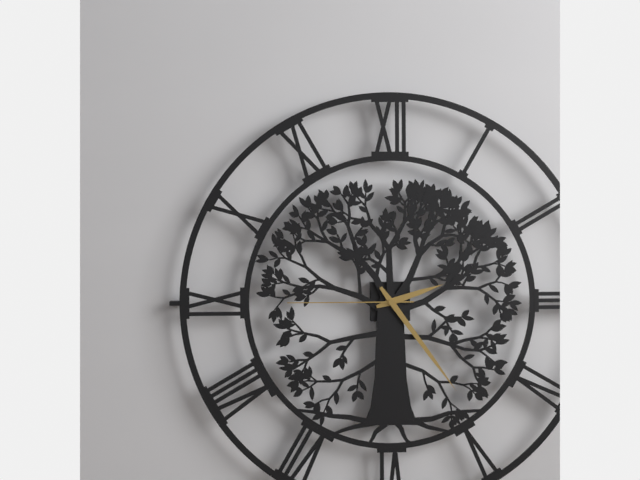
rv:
2 h 24 min 45 s
